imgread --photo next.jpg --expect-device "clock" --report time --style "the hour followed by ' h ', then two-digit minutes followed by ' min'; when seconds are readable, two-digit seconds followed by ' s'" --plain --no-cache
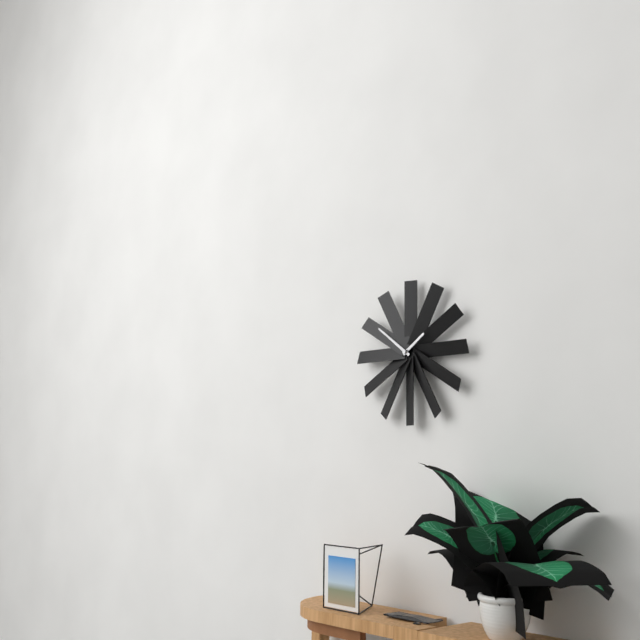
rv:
1 h 51 min
